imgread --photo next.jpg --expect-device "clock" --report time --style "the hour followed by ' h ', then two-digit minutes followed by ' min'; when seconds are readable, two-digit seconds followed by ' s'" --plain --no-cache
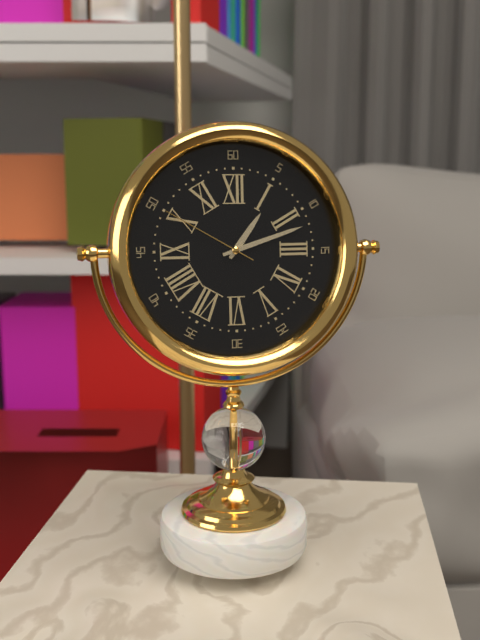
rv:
1 h 12 min 50 s
